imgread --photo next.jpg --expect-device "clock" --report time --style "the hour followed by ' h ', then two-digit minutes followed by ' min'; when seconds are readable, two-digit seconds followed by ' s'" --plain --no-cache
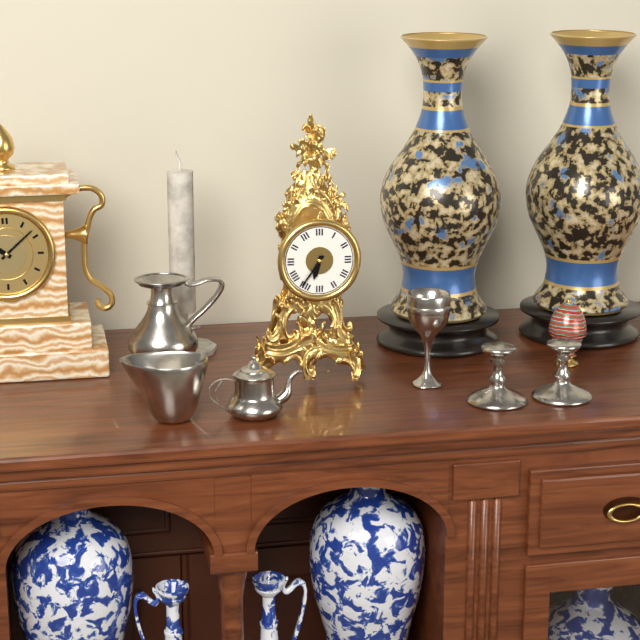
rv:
6 h 36 min
